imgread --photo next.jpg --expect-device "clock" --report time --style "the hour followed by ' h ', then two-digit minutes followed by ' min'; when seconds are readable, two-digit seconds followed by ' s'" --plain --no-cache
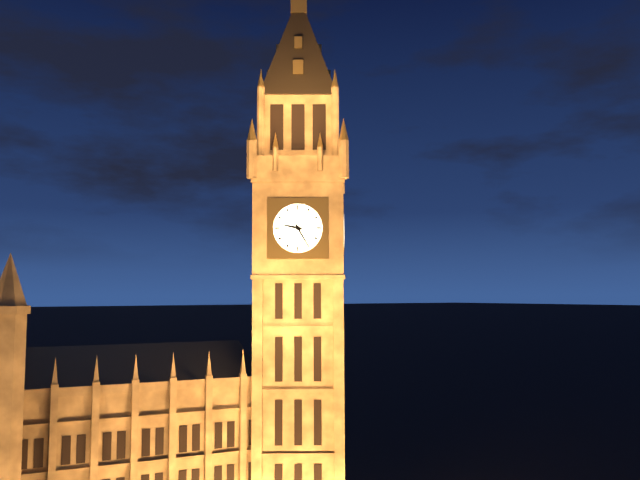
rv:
9 h 25 min
